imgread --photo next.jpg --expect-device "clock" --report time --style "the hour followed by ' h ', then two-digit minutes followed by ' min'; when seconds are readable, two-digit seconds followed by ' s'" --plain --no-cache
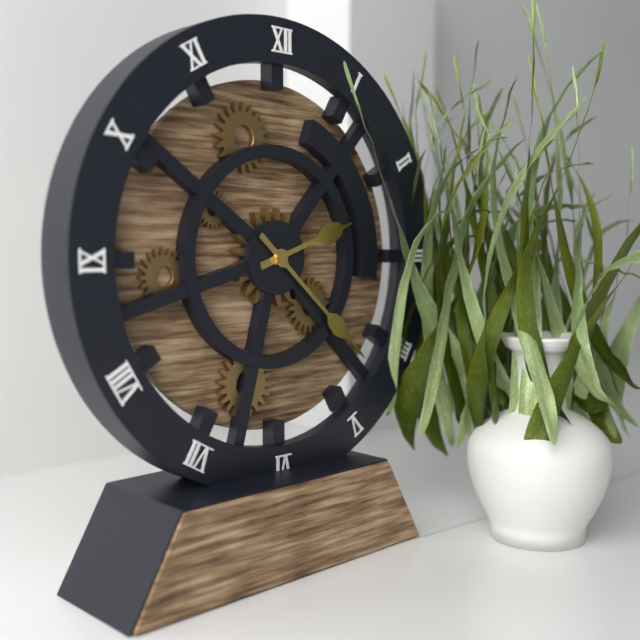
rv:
2 h 22 min
